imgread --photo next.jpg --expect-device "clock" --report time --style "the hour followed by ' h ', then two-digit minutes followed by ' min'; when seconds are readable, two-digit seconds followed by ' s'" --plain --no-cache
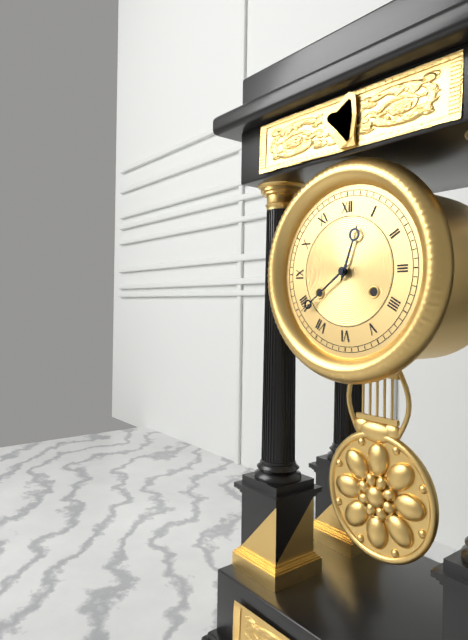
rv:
12 h 39 min
